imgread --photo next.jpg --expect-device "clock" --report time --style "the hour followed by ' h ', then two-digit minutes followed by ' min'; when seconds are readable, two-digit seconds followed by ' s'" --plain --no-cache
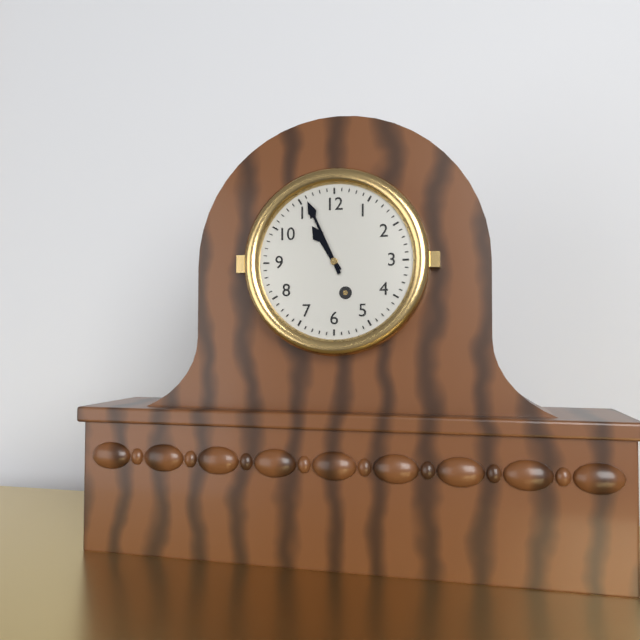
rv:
10 h 56 min
